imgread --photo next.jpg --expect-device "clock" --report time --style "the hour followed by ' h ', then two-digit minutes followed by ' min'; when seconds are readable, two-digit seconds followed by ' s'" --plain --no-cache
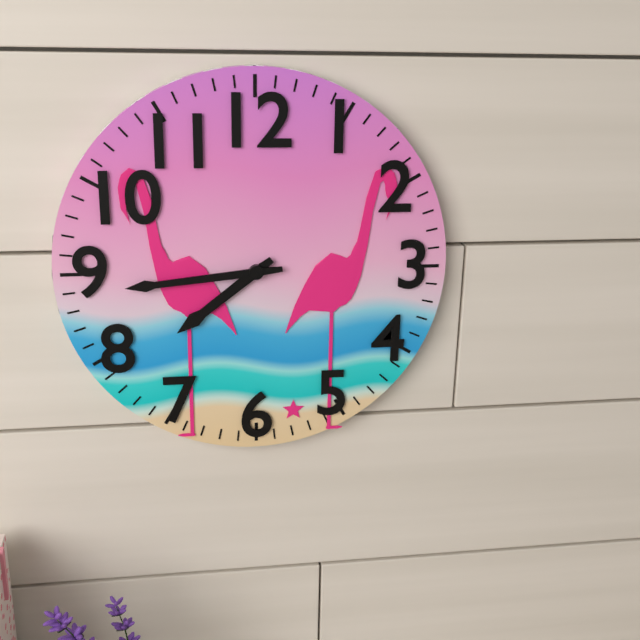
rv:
7 h 44 min
